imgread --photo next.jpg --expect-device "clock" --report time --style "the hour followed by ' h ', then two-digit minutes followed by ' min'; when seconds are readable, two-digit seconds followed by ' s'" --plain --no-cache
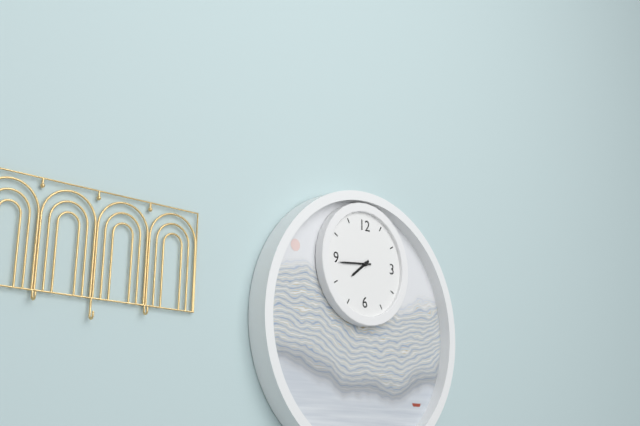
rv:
7 h 44 min
